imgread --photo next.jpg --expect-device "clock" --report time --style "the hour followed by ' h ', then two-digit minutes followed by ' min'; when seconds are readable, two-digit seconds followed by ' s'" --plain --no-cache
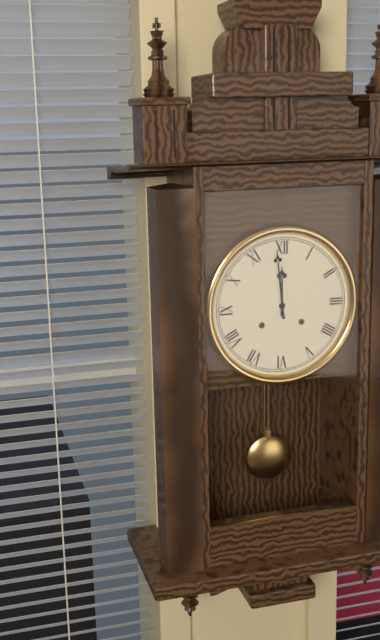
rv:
11 h 59 min
